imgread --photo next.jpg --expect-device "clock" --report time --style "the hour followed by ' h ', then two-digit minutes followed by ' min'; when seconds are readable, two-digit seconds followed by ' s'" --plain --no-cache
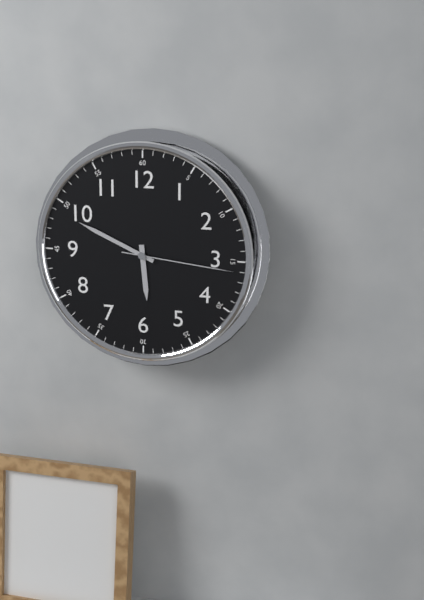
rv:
5 h 49 min 16 s
